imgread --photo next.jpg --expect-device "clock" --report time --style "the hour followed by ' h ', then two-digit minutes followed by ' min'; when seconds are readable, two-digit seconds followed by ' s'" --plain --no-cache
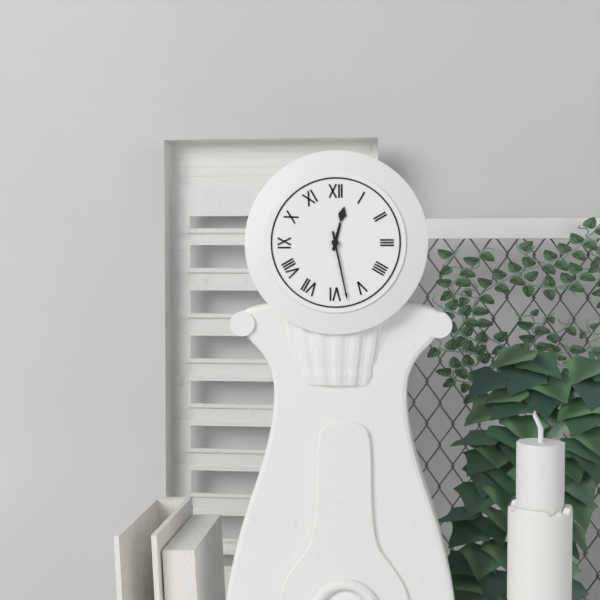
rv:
12 h 28 min
